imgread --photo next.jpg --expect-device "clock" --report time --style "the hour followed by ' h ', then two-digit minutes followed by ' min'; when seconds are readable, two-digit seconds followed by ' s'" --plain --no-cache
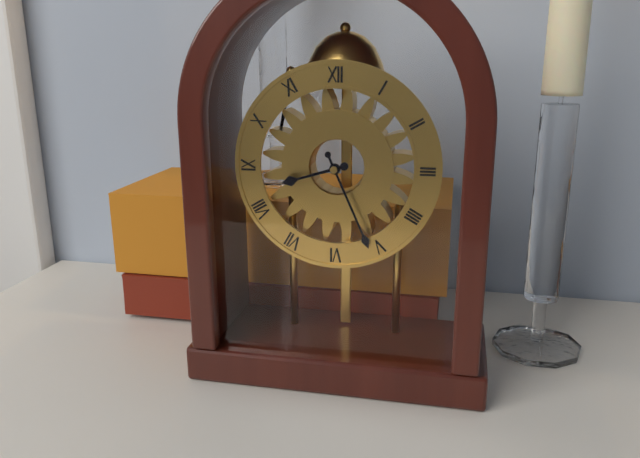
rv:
8 h 26 min
